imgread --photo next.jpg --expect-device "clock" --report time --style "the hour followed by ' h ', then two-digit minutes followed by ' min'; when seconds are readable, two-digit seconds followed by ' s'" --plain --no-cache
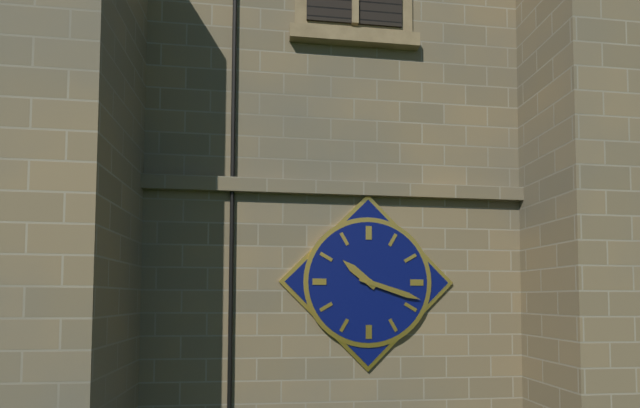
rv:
10 h 18 min
